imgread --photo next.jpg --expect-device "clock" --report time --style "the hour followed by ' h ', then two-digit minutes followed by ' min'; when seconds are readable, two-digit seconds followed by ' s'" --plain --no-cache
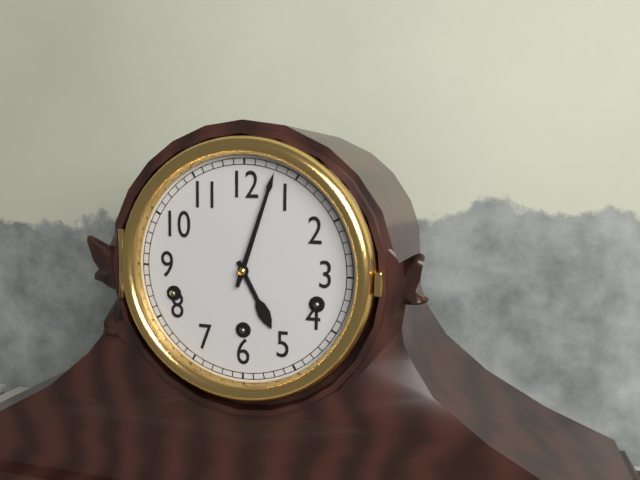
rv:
5 h 03 min
